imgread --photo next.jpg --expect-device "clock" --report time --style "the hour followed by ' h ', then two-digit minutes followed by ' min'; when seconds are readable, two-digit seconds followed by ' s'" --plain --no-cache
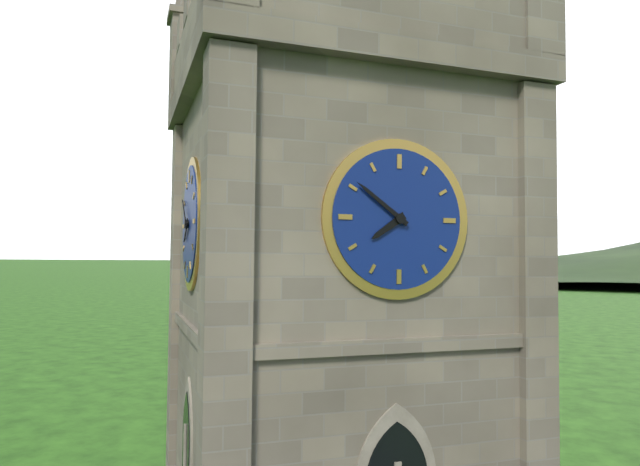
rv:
7 h 51 min
